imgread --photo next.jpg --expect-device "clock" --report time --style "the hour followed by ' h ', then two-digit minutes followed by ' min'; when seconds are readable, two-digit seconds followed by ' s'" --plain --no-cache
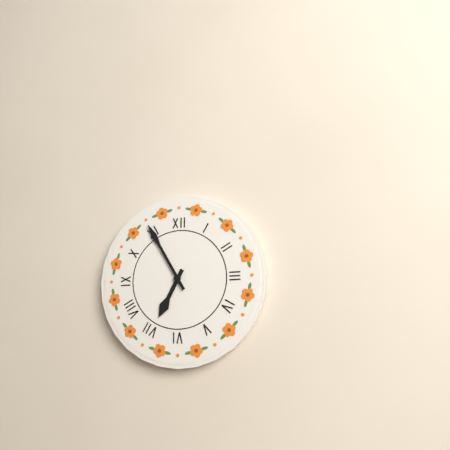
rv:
6 h 55 min
